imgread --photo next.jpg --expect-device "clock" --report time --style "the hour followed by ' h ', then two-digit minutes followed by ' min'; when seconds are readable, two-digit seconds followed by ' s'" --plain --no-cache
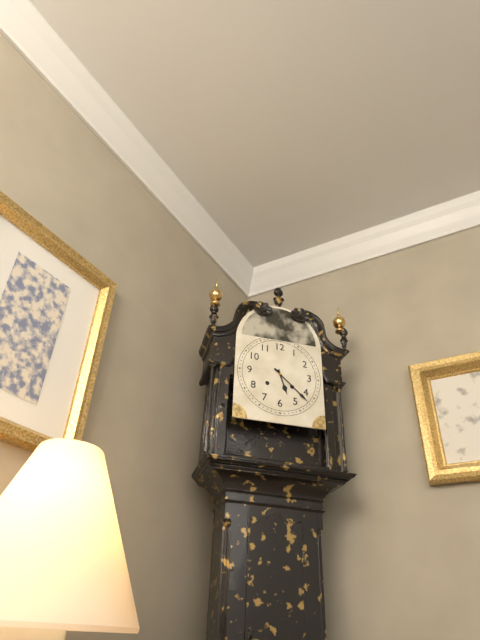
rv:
5 h 22 min
